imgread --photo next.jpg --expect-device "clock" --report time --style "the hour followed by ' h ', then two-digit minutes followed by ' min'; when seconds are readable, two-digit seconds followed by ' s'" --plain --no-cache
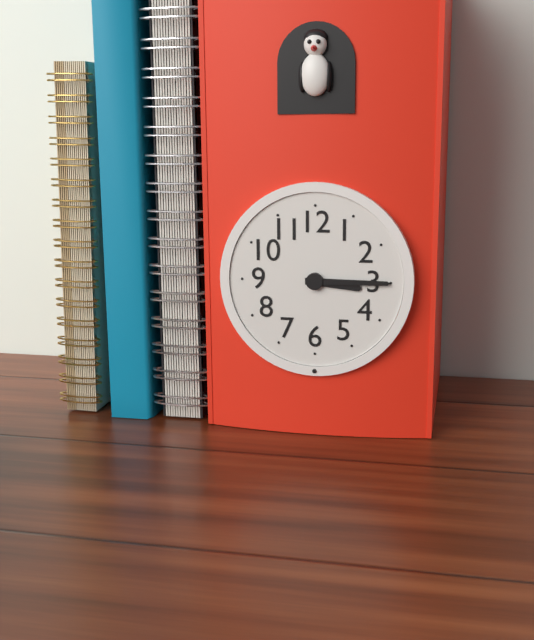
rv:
3 h 15 min
